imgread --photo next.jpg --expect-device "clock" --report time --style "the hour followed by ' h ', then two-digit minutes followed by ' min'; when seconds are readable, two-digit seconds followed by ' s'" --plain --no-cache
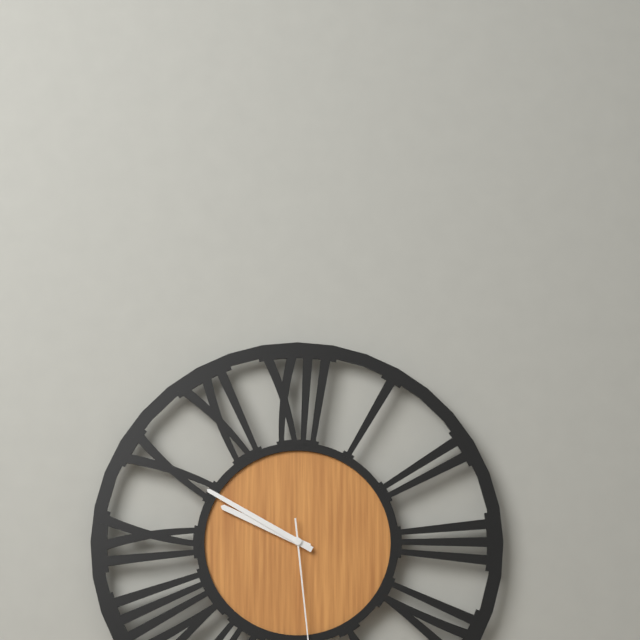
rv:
9 h 50 min
